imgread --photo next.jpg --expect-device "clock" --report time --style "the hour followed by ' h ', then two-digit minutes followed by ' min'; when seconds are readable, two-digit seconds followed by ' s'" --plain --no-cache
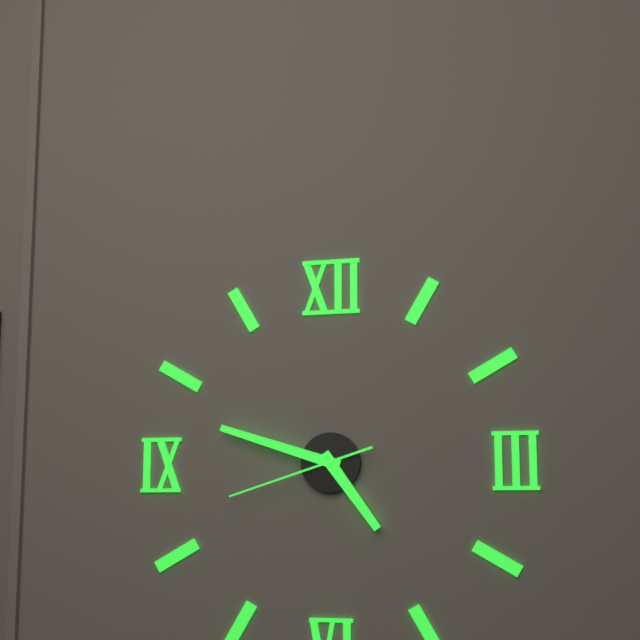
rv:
4 h 48 min 42 s
